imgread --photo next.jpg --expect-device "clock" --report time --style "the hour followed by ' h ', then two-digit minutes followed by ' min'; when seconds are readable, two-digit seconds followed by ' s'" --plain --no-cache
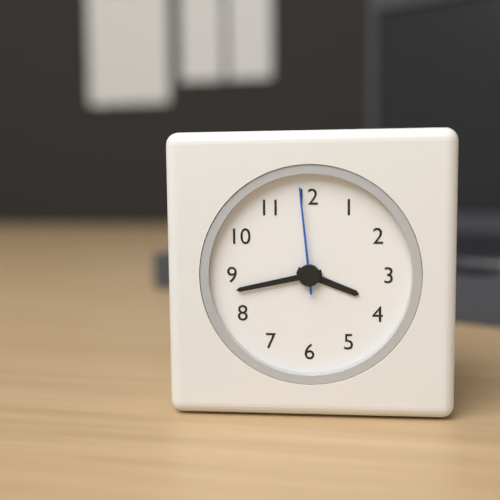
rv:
3 h 43 min 59 s
